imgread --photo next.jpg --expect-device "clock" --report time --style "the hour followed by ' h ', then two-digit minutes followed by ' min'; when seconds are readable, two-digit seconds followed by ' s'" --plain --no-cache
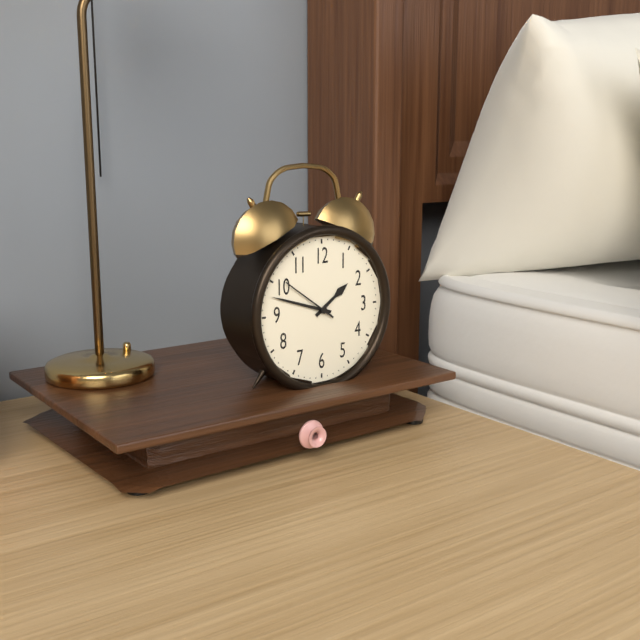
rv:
1 h 48 min 51 s
